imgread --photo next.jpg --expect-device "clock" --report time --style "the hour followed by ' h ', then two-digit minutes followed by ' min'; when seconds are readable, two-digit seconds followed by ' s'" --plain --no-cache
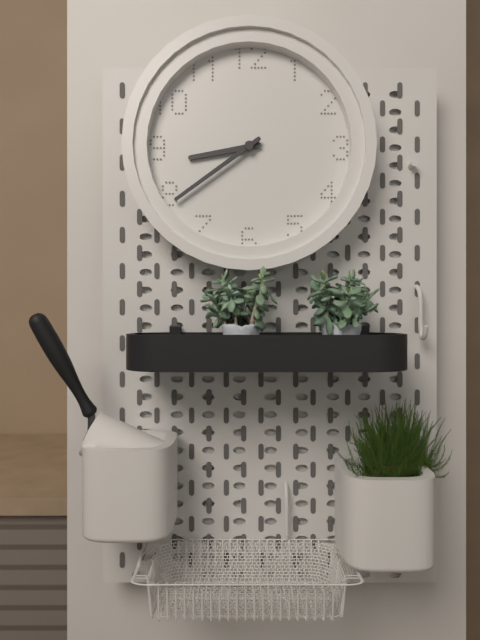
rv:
8 h 39 min
